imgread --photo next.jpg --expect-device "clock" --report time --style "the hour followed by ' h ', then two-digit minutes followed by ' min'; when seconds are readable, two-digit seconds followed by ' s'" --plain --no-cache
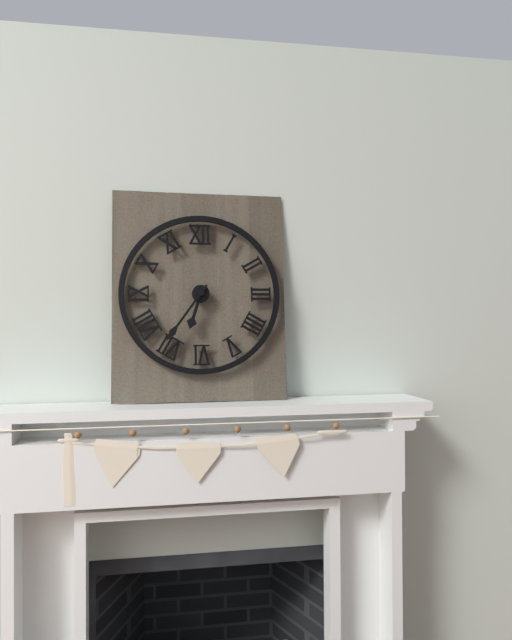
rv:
6 h 36 min
